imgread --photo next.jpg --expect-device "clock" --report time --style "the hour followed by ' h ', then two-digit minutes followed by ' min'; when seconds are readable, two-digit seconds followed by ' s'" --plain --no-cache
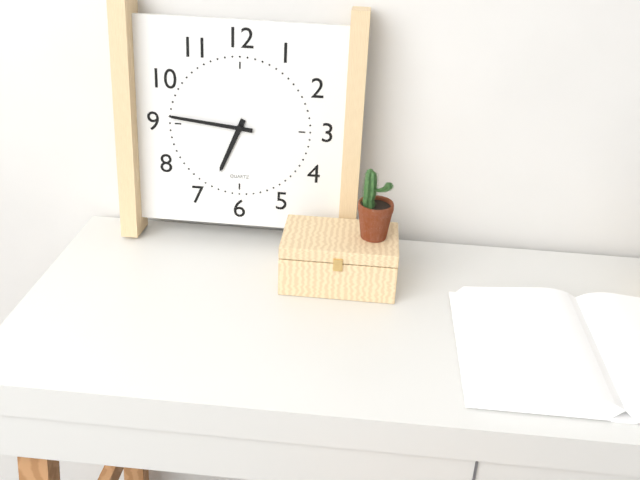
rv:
6 h 46 min
